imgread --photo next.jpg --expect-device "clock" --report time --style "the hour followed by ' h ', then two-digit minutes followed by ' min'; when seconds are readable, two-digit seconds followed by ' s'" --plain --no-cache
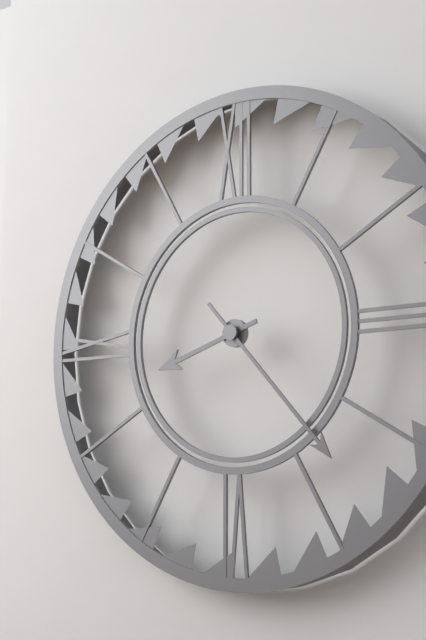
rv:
8 h 23 min
